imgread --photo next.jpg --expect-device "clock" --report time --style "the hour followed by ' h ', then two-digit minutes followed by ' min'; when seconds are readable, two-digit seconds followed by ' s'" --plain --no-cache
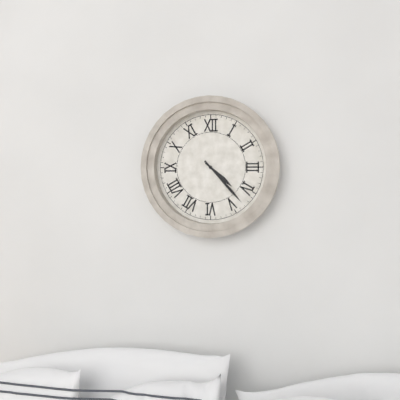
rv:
4 h 23 min
